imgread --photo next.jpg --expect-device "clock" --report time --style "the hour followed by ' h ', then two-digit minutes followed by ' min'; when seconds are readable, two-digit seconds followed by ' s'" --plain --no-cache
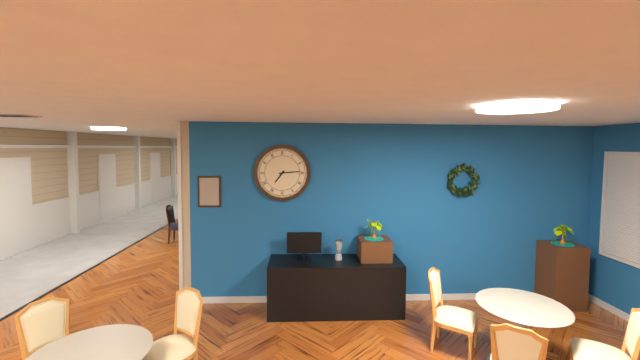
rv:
7 h 14 min
